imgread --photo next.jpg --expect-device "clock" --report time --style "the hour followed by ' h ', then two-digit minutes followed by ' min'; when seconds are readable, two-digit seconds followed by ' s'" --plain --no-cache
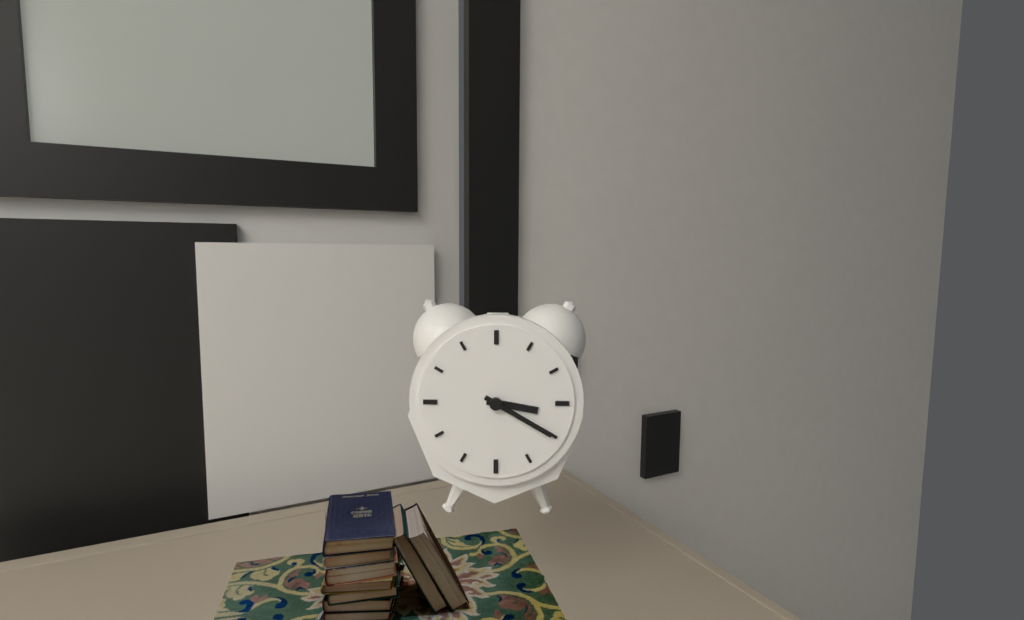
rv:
3 h 20 min
